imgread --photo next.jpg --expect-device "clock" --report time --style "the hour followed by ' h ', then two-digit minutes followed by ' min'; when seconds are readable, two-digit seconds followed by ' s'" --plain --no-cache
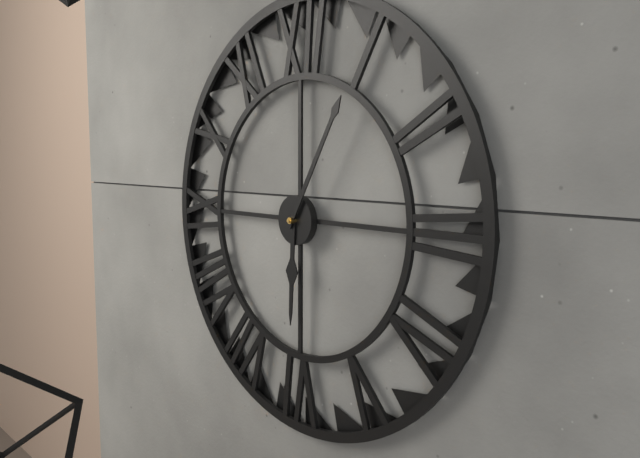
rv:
6 h 05 min
